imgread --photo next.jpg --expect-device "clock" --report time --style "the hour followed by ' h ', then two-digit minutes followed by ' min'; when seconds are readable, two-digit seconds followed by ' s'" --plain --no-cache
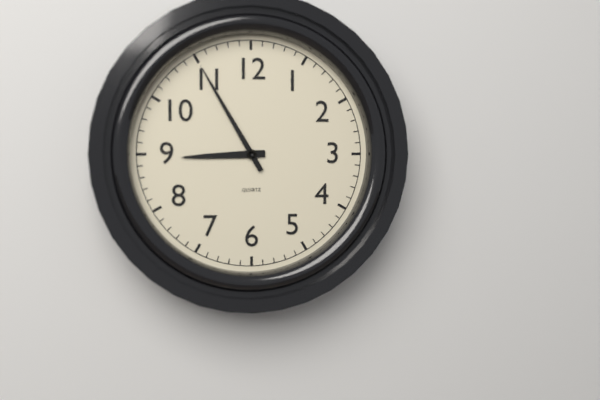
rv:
8 h 55 min
